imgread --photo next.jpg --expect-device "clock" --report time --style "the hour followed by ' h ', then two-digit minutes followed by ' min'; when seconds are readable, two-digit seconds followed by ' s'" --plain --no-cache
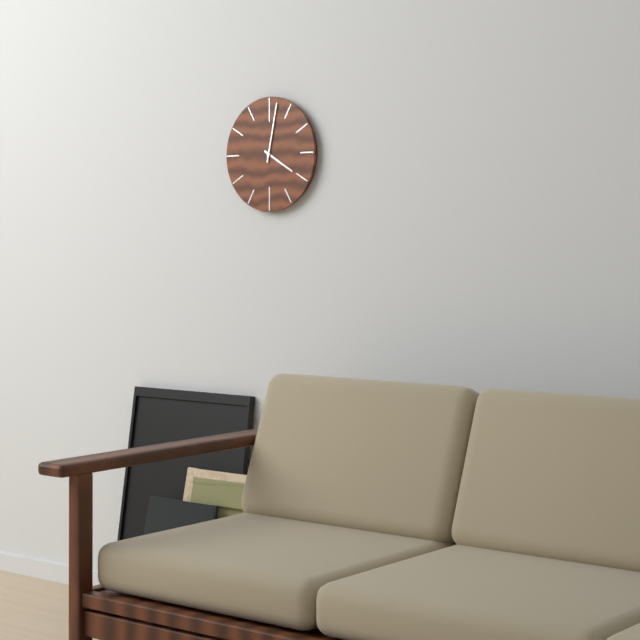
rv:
4 h 02 min
